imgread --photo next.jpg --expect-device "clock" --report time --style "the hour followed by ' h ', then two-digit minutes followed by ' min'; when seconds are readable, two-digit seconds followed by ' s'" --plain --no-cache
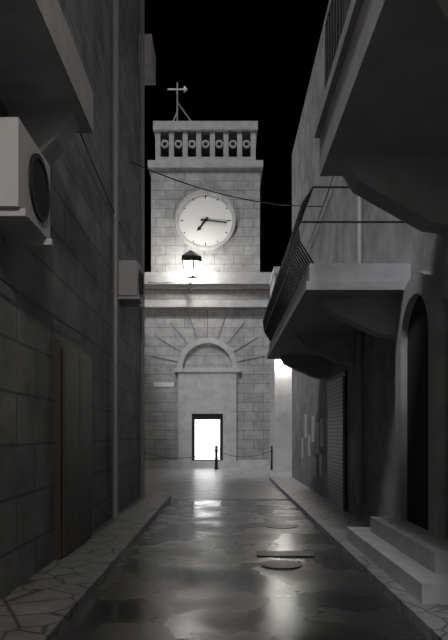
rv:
7 h 16 min
